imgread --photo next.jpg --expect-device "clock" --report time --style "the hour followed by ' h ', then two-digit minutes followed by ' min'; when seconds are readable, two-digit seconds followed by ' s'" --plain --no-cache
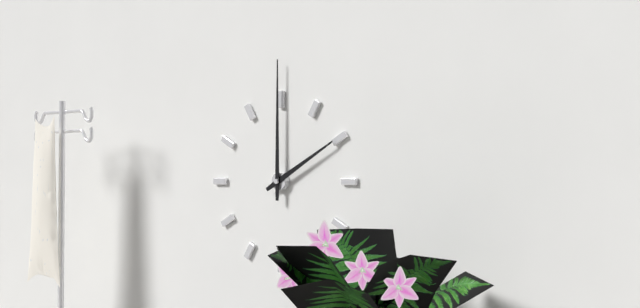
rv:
2 h 00 min
